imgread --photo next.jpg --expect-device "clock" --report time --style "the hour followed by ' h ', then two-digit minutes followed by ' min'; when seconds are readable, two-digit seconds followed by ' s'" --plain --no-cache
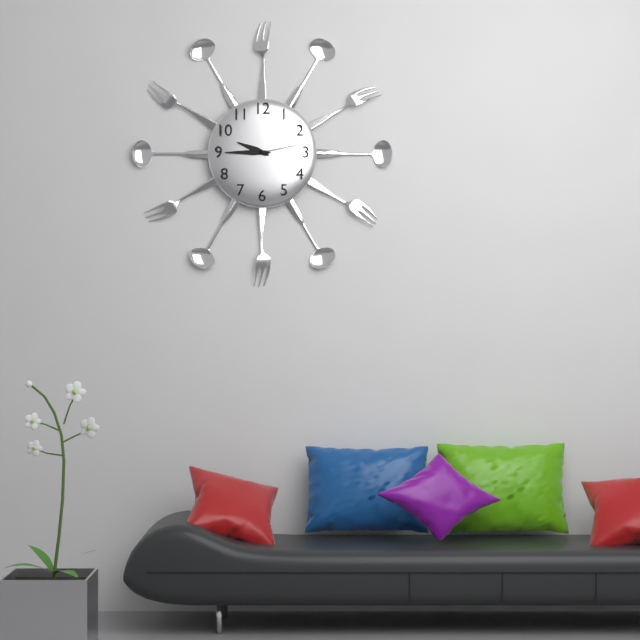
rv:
9 h 45 min 13 s
